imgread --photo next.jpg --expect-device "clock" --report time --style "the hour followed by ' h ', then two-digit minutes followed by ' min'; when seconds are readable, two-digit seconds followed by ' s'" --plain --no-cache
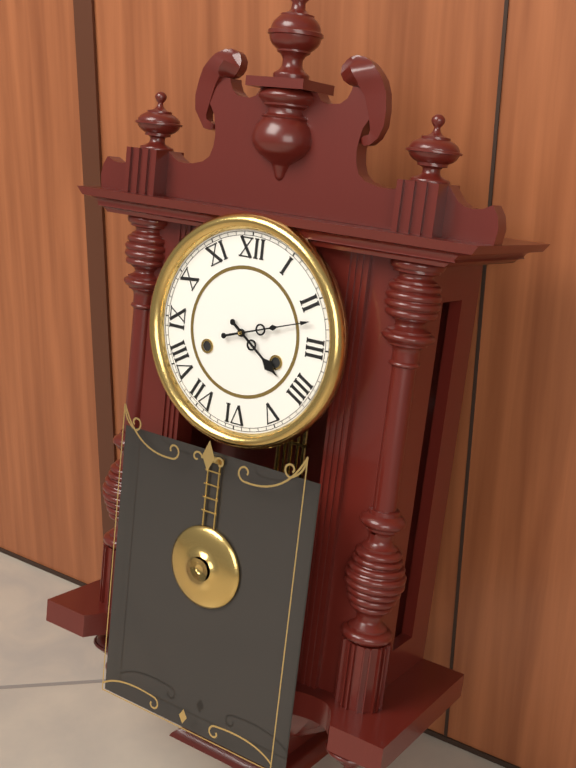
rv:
4 h 12 min
